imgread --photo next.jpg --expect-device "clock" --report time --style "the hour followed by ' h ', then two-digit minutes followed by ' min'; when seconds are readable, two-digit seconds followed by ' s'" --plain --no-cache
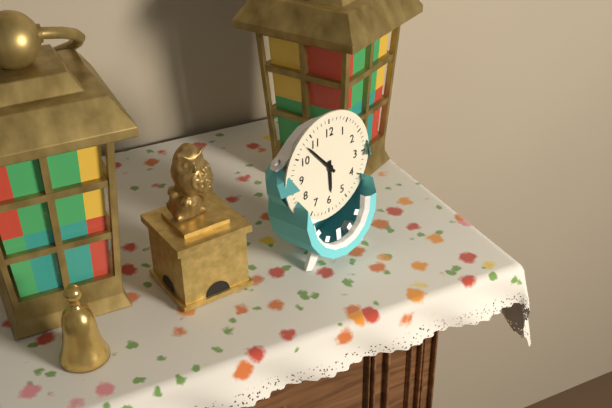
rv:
5 h 53 min
